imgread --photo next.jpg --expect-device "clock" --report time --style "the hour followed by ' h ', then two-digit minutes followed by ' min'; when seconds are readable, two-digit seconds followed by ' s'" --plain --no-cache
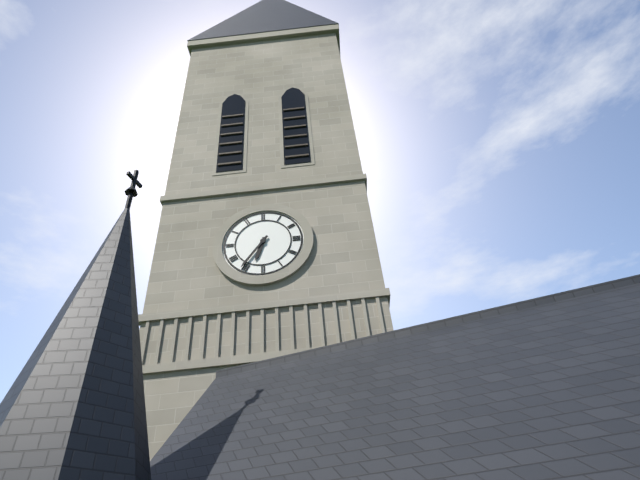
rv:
6 h 36 min
